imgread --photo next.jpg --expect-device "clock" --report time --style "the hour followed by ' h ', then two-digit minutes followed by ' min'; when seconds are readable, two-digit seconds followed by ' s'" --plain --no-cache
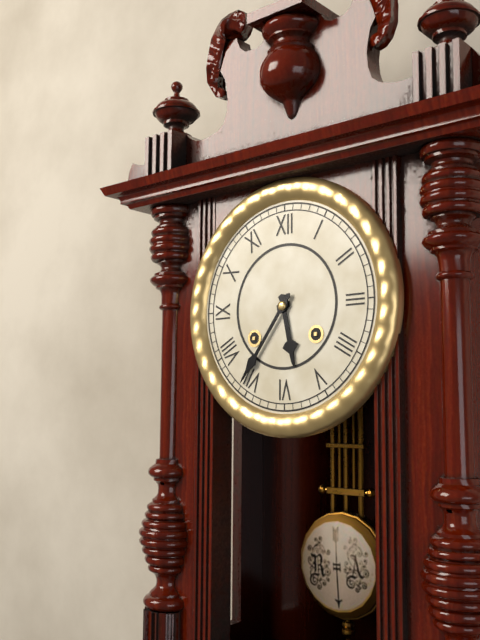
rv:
5 h 36 min
